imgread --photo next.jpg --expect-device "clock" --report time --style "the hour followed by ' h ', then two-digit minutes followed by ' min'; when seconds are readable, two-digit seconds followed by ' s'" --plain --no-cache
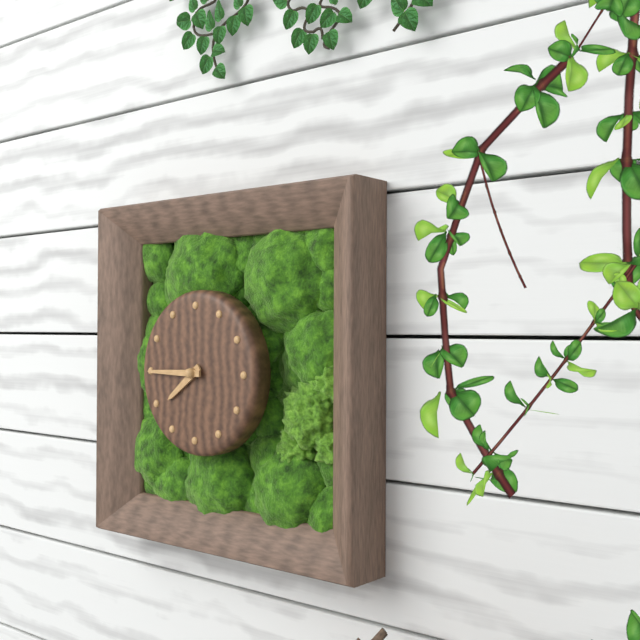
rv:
7 h 45 min
